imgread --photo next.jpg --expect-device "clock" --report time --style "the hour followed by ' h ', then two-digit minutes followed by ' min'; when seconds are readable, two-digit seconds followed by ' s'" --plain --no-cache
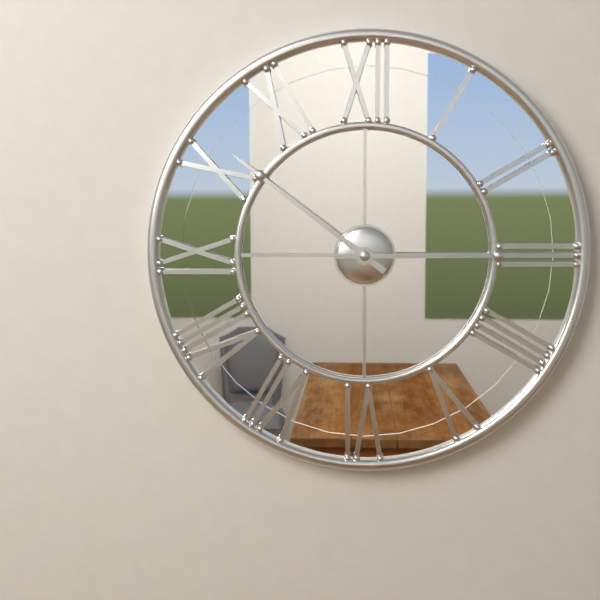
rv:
10 h 15 min
